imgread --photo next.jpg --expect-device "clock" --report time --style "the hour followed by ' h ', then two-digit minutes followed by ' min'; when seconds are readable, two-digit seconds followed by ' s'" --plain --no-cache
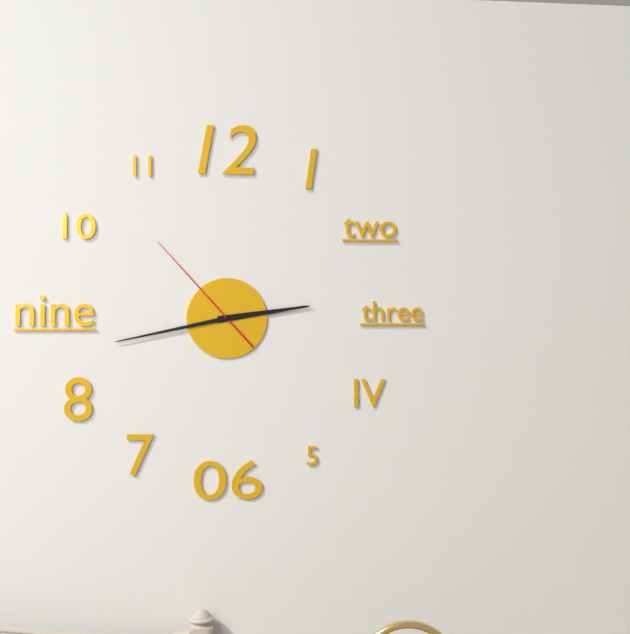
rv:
2 h 43 min 53 s
